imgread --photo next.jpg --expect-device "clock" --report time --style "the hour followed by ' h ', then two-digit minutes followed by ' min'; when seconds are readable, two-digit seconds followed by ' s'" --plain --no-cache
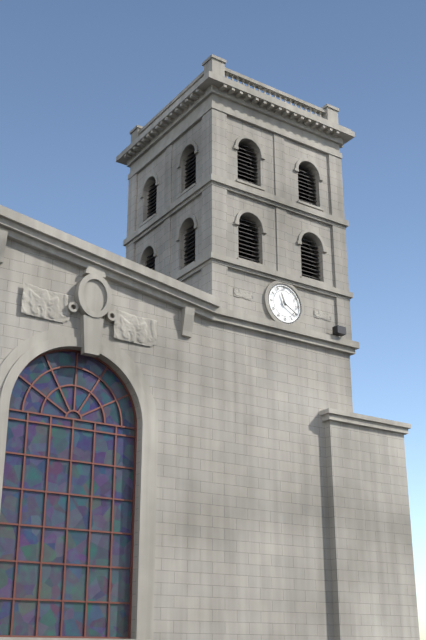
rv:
11 h 20 min
